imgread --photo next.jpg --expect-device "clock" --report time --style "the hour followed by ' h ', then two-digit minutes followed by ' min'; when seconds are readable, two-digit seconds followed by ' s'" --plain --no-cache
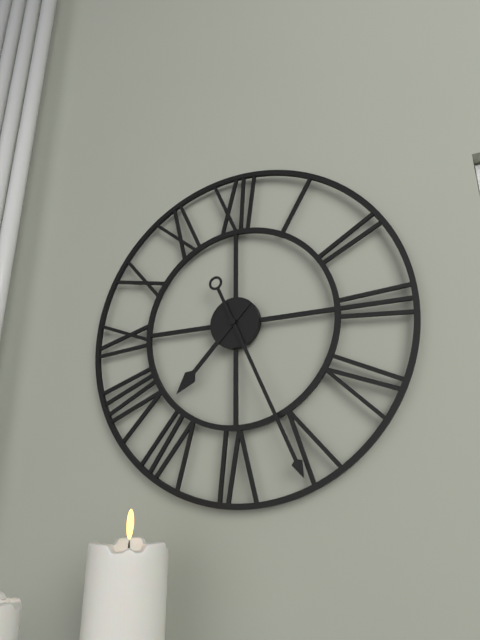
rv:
7 h 26 min
